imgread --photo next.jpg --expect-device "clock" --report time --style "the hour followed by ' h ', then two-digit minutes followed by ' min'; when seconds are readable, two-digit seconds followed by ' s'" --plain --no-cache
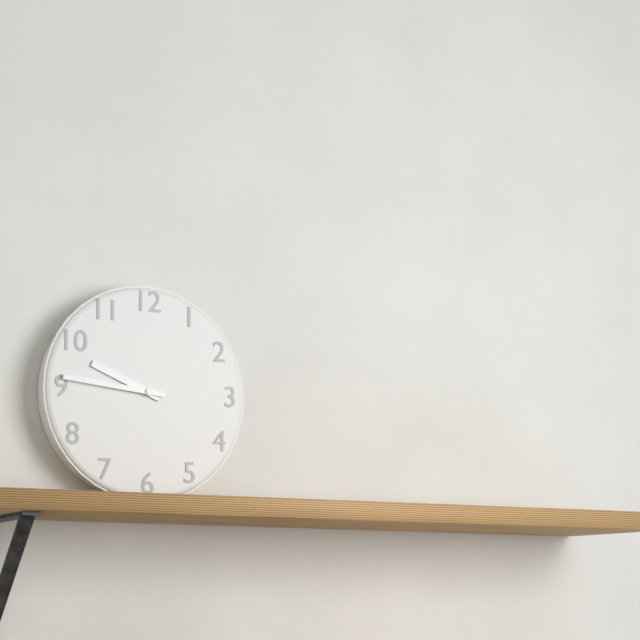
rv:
9 h 46 min
